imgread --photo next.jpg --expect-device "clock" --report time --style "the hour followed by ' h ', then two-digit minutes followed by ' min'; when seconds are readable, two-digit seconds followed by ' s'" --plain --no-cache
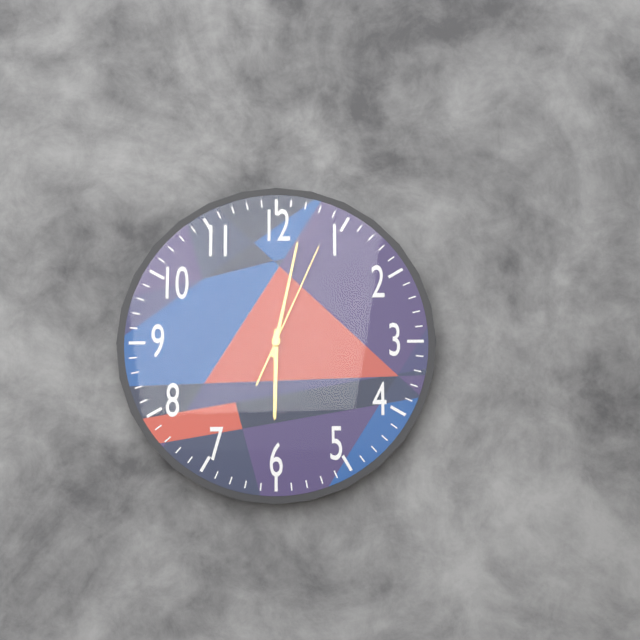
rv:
6 h 02 min 04 s
